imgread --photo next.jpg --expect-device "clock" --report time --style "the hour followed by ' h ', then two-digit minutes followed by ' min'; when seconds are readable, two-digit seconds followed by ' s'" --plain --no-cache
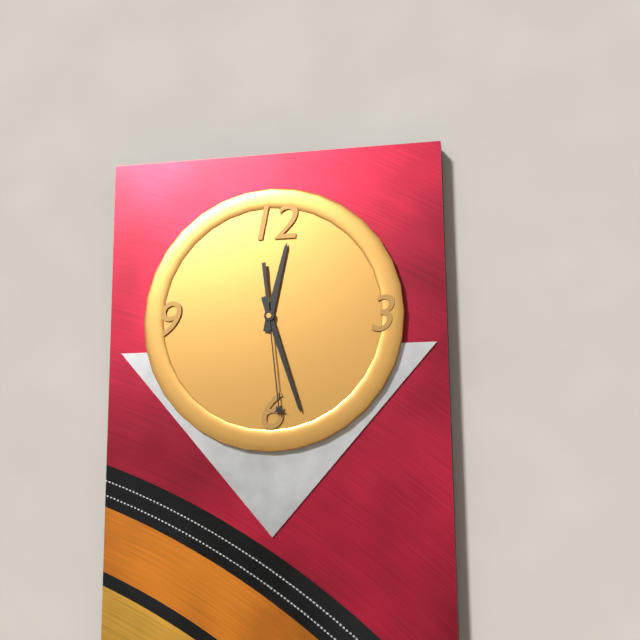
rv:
12 h 27 min 29 s
